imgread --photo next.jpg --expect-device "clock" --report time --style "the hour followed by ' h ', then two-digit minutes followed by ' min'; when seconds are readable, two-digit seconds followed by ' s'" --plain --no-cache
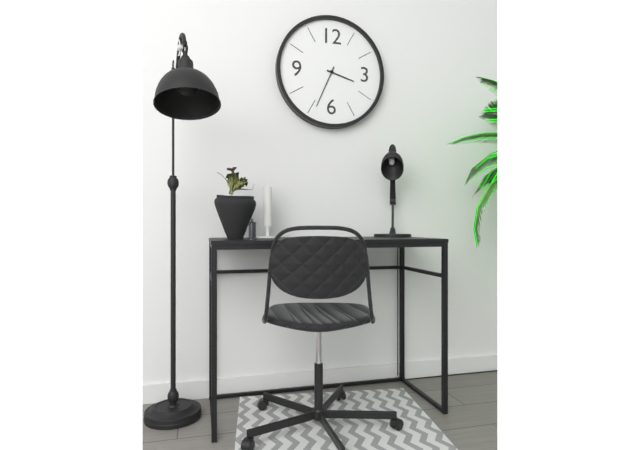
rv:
3 h 34 min
